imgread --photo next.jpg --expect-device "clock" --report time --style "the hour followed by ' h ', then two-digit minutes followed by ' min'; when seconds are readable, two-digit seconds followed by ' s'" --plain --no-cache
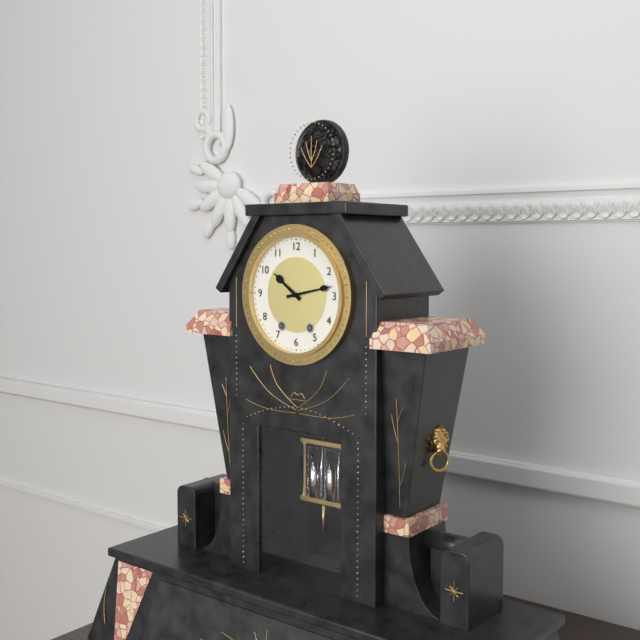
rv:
10 h 13 min
